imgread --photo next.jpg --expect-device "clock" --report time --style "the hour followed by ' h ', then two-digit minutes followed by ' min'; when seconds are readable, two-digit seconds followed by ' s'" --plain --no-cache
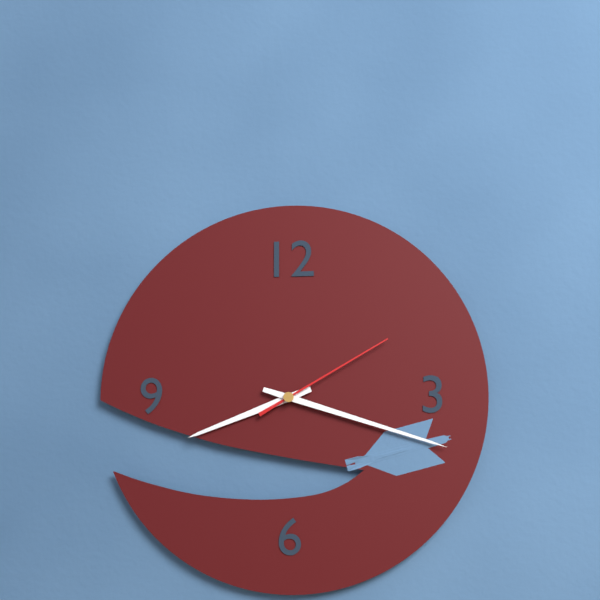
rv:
8 h 18 min 10 s
